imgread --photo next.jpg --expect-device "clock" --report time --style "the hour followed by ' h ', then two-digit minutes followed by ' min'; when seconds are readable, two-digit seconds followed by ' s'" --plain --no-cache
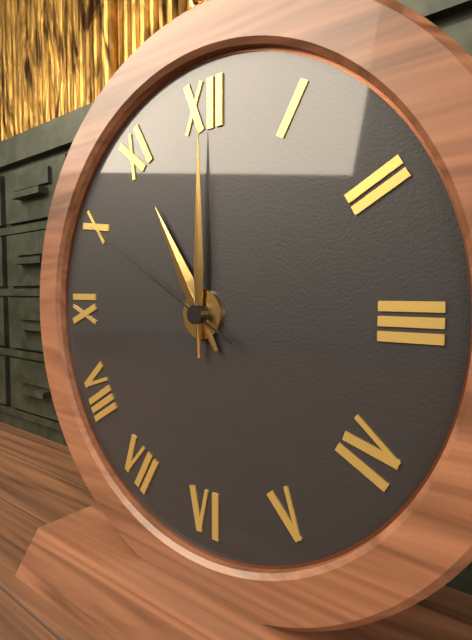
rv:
11 h 00 min 50 s
